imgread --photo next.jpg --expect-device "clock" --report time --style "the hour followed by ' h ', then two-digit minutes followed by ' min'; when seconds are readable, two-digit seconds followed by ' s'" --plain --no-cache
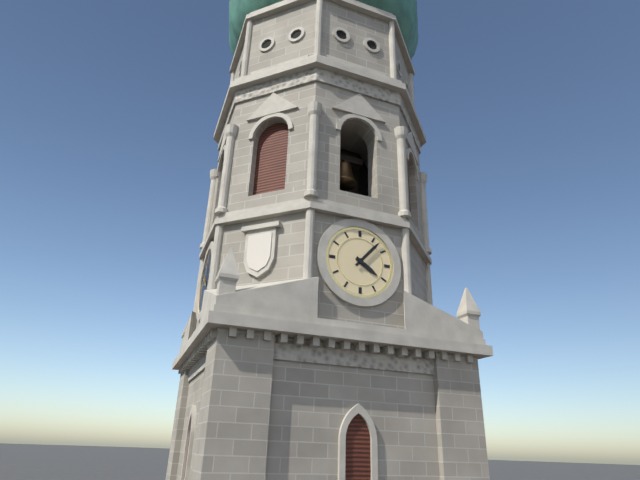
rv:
4 h 07 min
